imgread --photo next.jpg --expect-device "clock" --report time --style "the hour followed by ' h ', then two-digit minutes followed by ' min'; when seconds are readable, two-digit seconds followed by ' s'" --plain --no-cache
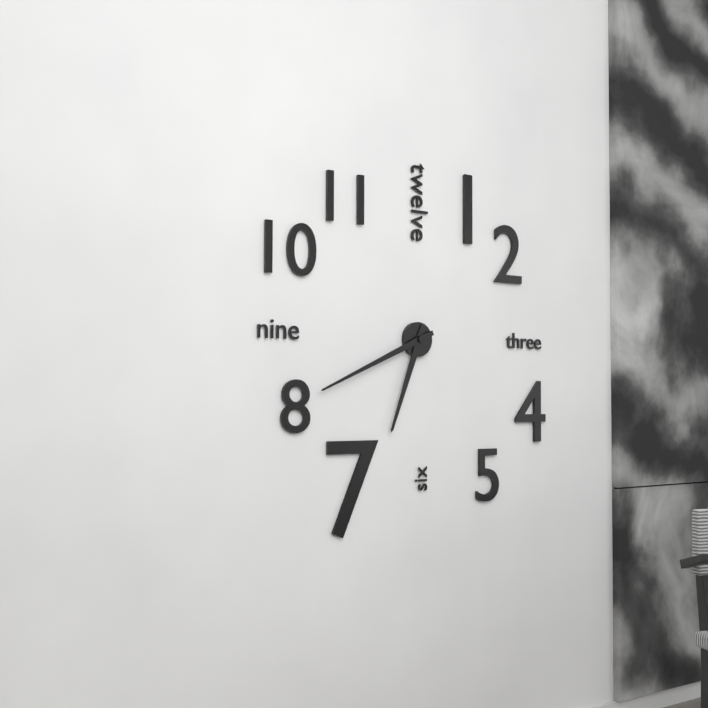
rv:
6 h 41 min
